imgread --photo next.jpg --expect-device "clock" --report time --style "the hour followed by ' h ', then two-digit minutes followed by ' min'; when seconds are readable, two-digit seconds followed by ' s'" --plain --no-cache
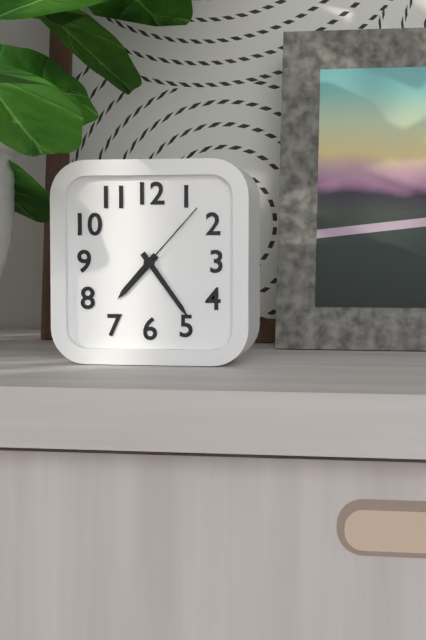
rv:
7 h 24 min 07 s
